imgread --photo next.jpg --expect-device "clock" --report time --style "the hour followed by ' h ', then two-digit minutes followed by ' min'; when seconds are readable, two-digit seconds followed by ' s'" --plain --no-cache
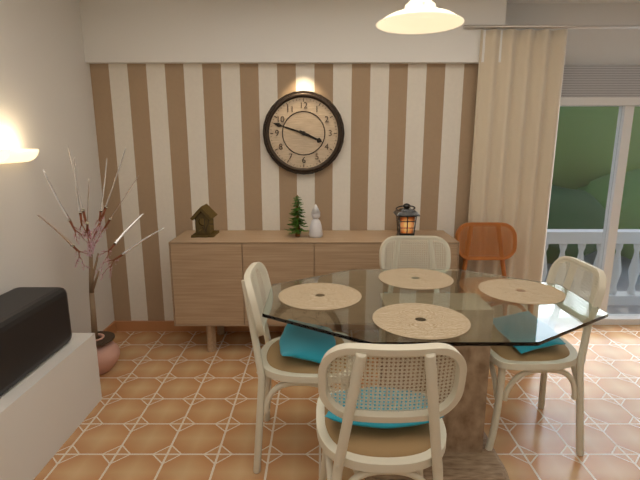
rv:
3 h 48 min
